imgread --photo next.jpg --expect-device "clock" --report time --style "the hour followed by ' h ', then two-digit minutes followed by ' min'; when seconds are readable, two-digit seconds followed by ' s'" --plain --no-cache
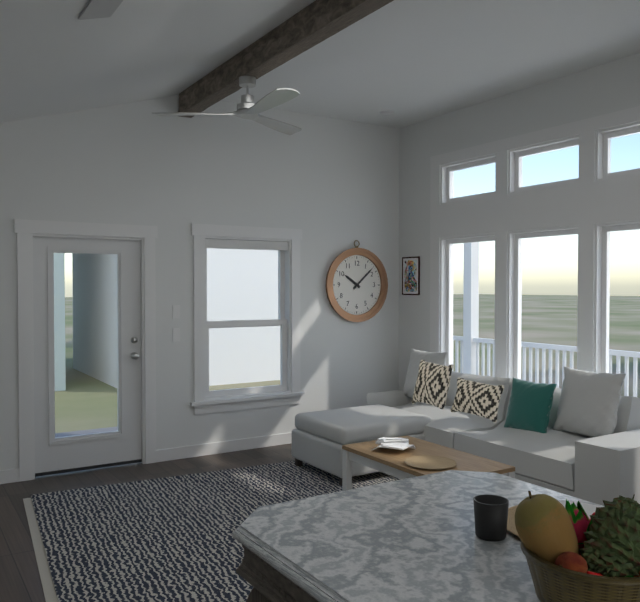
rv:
10 h 08 min
